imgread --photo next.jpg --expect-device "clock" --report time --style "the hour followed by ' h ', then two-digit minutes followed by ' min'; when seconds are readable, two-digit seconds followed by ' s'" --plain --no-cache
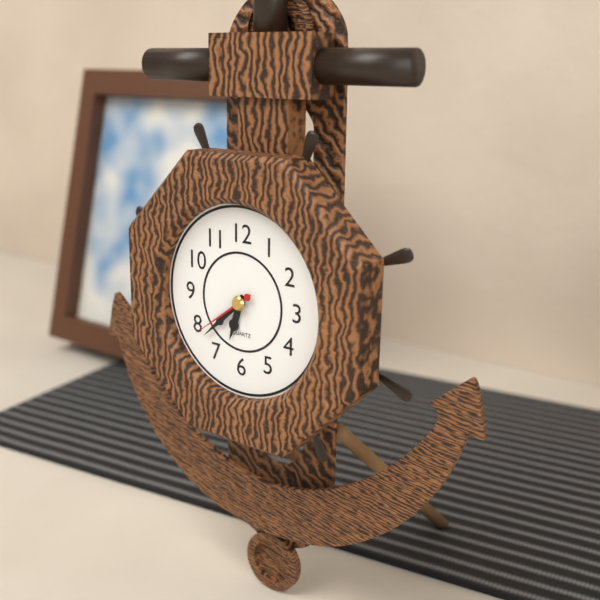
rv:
6 h 38 min 39 s
